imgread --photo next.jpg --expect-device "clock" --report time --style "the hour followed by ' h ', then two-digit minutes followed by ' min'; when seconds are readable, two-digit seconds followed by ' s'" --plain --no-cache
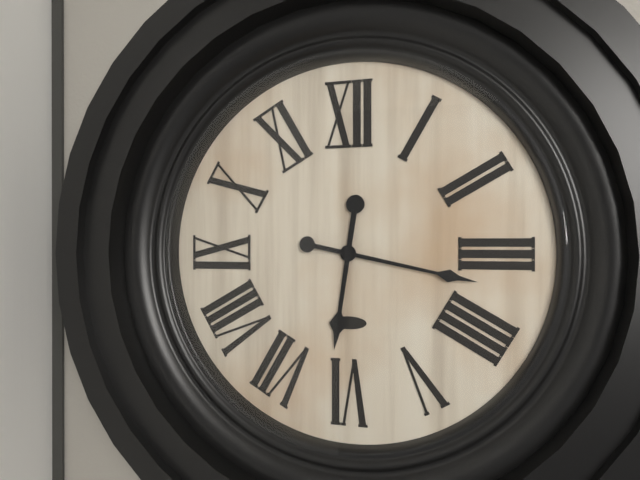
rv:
6 h 17 min
